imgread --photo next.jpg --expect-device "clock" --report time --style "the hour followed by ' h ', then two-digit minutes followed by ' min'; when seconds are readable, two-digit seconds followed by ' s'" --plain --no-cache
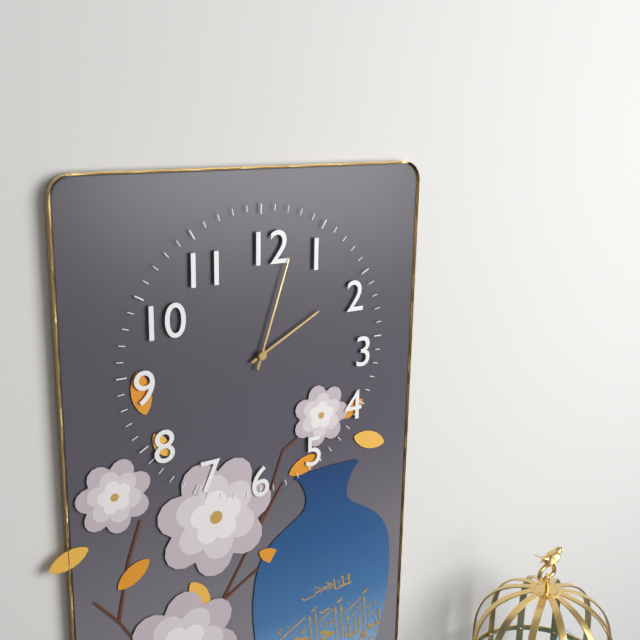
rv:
2 h 03 min
